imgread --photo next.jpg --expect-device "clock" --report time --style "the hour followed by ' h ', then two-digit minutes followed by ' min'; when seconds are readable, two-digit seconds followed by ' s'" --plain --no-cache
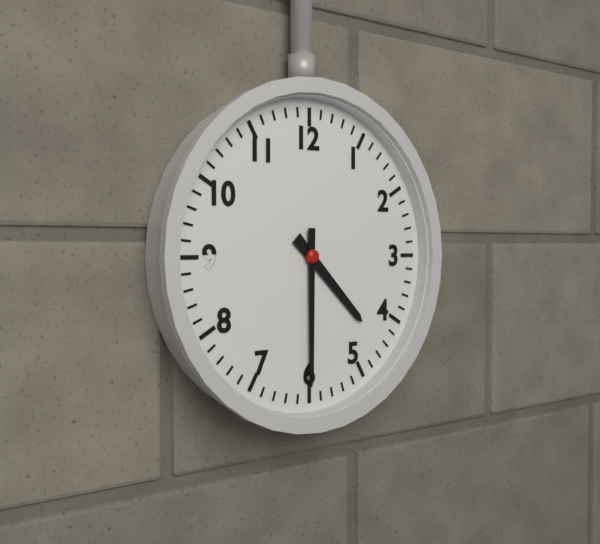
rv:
4 h 30 min
